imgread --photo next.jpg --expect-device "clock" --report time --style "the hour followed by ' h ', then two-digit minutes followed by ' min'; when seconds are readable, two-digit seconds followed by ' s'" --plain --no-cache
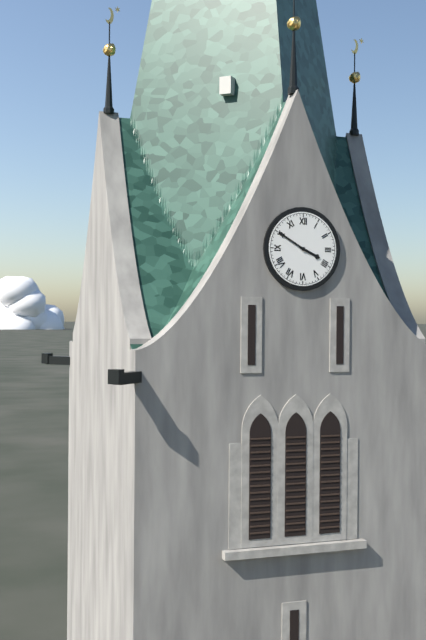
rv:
3 h 50 min
